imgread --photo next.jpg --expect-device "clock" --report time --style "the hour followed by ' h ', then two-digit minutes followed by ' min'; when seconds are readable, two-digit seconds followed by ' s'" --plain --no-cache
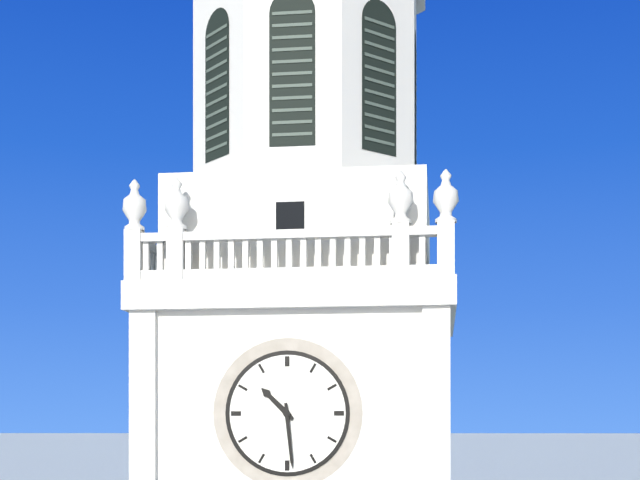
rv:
10 h 29 min
